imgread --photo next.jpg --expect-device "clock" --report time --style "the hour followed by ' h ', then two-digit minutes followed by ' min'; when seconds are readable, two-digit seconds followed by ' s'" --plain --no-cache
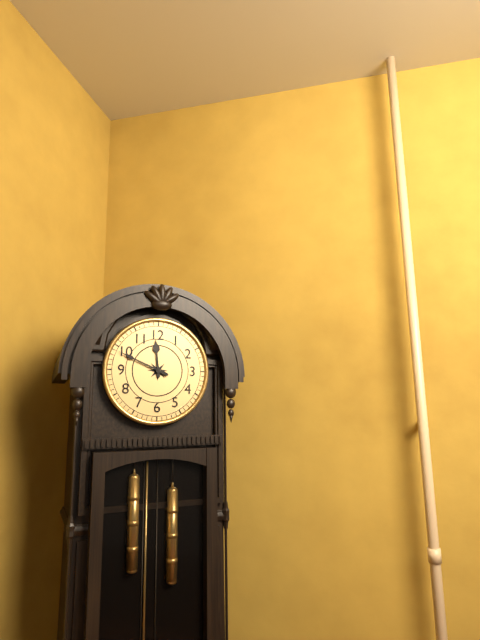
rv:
11 h 49 min
